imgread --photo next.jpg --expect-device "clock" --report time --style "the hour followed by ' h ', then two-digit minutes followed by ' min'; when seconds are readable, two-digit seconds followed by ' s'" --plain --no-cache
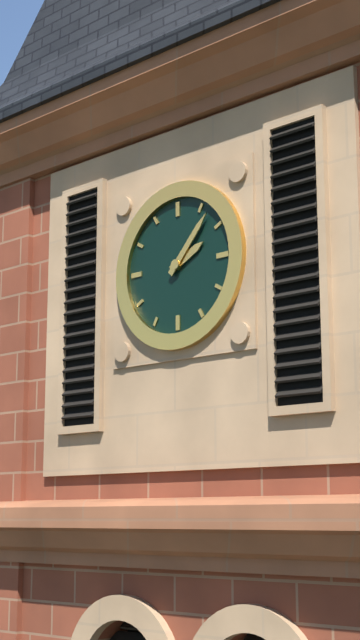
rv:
2 h 07 min
